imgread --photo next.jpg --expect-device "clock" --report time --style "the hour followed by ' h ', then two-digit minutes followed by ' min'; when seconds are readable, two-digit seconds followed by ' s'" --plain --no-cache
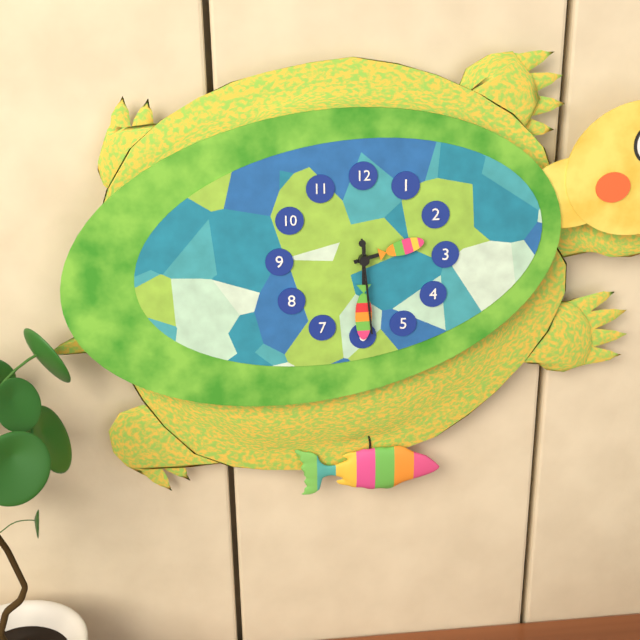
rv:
2 h 30 min 29 s
